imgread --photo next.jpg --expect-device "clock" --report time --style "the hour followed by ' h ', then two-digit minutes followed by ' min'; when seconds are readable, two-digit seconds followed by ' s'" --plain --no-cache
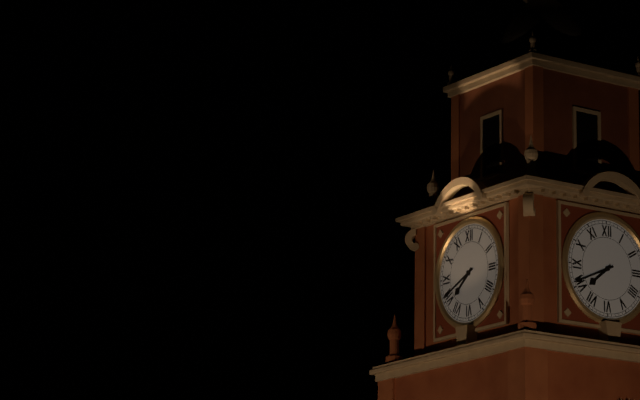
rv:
7 h 41 min
